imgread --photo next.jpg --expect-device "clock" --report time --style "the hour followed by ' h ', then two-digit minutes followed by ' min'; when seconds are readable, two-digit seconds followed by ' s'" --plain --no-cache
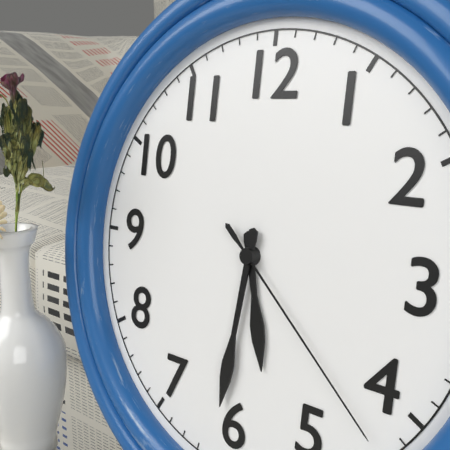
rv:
5 h 31 min 22 s
